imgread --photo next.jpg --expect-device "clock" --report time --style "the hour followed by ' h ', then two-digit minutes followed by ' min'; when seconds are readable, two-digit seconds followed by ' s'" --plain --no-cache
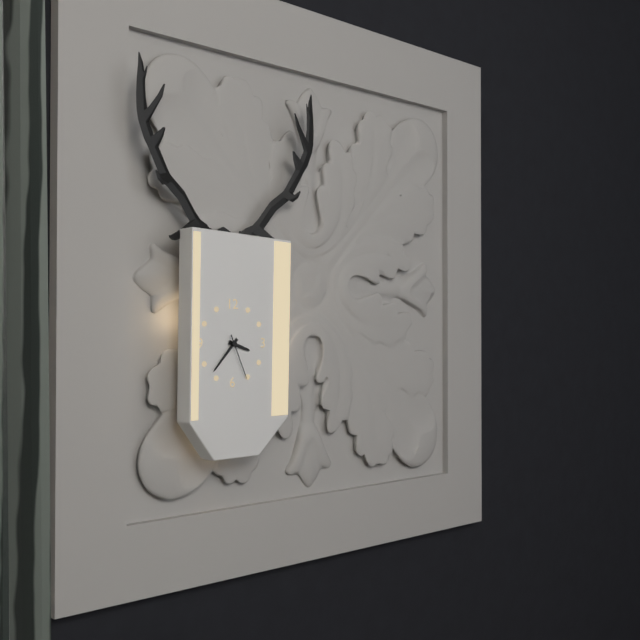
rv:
3 h 37 min
